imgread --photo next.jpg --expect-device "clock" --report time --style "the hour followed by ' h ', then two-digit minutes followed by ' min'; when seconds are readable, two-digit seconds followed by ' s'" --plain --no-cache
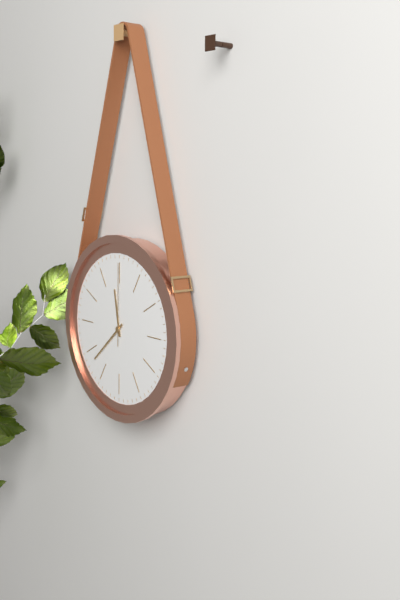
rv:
11 h 38 min 00 s
